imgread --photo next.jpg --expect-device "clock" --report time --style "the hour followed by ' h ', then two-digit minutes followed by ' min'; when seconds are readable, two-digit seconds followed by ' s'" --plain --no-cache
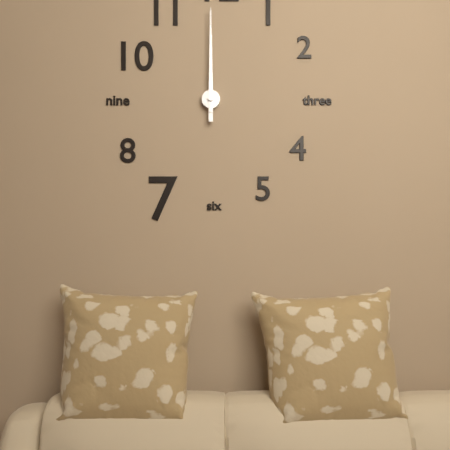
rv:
12 h 00 min
